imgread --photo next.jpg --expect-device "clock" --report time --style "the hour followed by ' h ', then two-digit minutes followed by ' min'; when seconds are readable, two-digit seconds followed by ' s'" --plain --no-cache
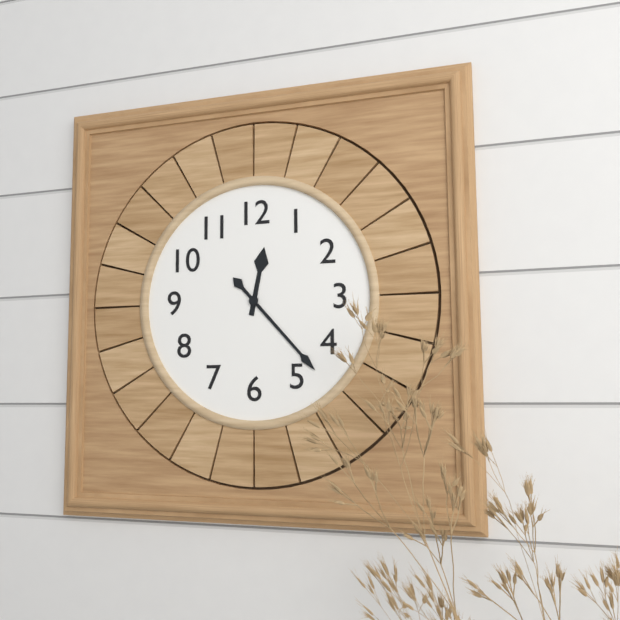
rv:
12 h 23 min
